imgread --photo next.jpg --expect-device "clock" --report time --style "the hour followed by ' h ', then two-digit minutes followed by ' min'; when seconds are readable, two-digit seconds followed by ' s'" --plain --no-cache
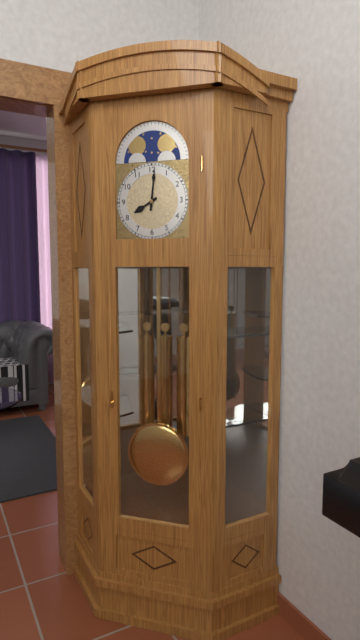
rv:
8 h 01 min
